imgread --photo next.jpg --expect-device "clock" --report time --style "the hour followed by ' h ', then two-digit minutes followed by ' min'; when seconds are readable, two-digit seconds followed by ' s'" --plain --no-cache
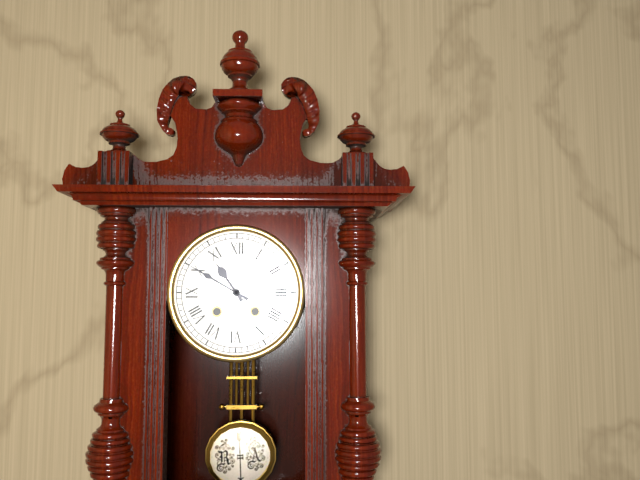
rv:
10 h 50 min
